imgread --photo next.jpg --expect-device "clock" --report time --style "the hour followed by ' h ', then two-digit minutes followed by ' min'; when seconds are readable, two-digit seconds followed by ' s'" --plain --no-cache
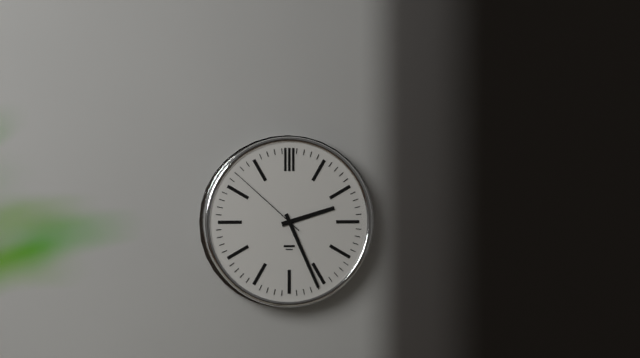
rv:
2 h 26 min 52 s
